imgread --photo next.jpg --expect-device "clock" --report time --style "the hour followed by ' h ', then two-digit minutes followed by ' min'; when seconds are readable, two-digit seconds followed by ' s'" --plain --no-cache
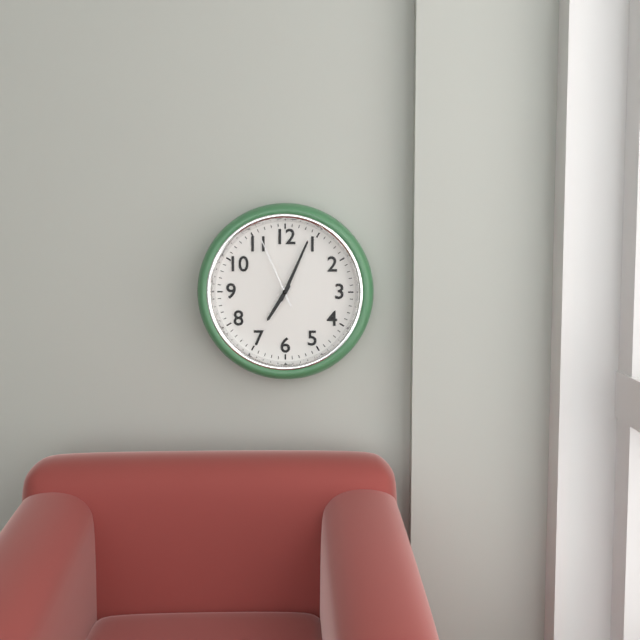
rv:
7 h 04 min 56 s
